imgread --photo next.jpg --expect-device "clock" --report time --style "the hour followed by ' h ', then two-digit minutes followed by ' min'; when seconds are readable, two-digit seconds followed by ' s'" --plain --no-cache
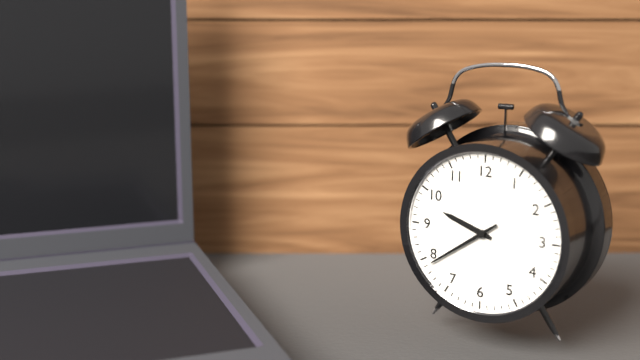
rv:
9 h 39 min
